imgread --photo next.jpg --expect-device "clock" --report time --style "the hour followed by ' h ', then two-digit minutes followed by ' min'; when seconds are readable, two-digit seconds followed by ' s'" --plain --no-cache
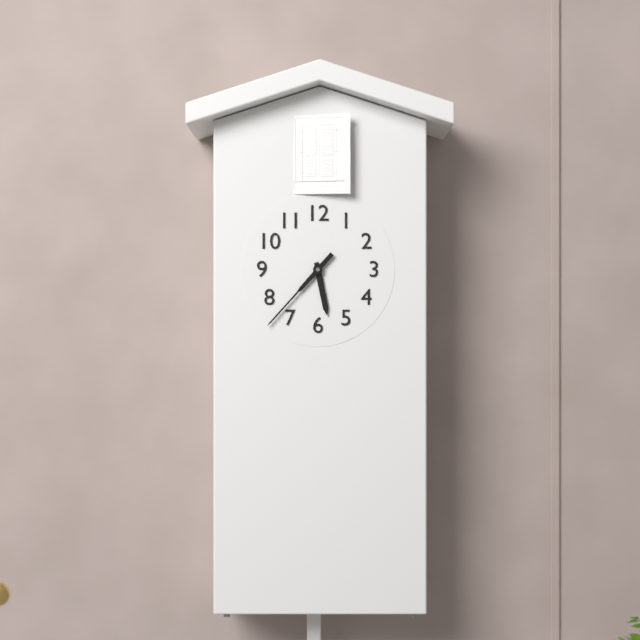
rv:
5 h 37 min
